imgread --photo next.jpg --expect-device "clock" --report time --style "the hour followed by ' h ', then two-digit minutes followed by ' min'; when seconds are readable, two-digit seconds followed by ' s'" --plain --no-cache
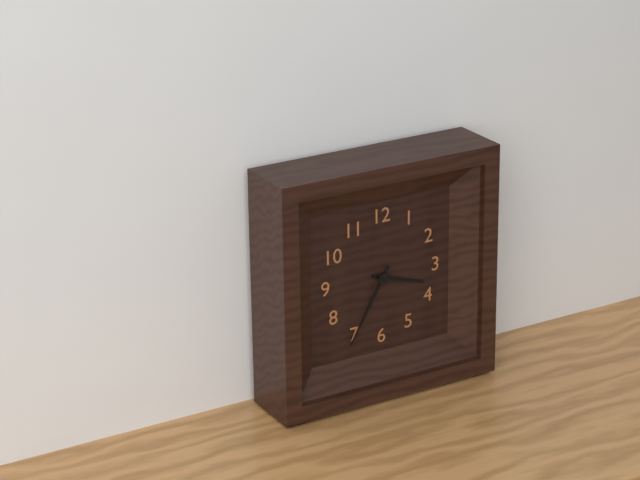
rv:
3 h 35 min
